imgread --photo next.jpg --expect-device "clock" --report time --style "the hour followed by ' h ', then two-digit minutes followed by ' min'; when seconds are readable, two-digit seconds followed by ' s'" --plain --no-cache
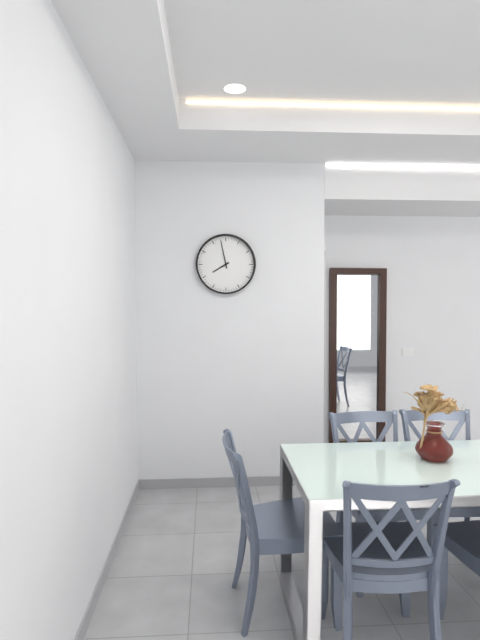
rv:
7 h 58 min
